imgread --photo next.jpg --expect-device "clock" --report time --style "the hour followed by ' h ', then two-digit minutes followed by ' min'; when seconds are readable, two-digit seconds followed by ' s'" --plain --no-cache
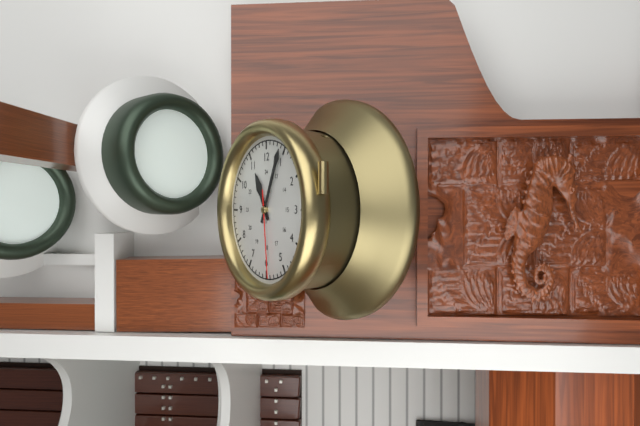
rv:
11 h 04 min 29 s
